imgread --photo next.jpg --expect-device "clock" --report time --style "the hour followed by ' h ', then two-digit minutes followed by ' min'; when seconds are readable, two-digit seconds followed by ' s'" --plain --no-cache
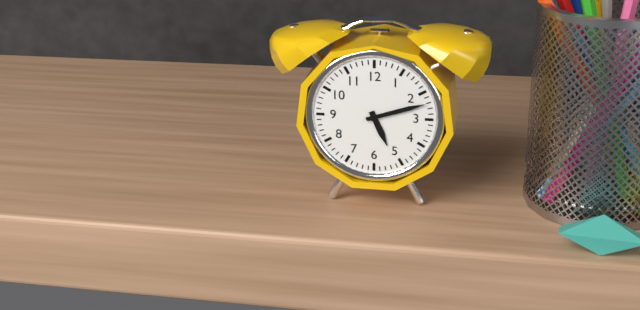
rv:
5 h 12 min
